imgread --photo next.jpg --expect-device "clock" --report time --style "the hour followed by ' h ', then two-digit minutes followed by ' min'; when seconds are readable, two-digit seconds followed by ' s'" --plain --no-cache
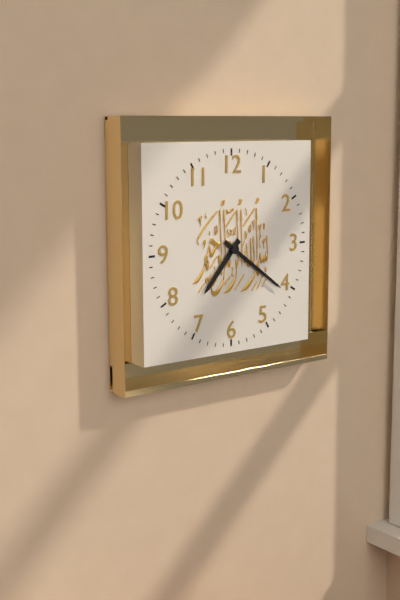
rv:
7 h 21 min
